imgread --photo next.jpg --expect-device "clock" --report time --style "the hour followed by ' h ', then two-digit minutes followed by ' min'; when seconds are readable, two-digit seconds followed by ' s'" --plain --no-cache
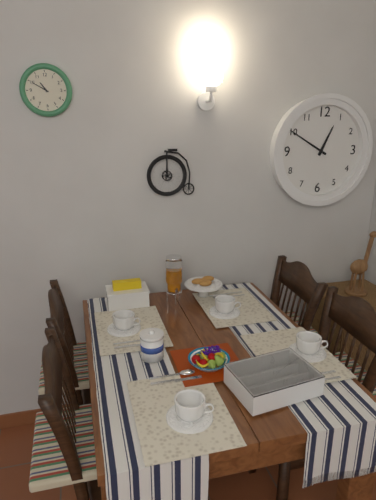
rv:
12 h 50 min
